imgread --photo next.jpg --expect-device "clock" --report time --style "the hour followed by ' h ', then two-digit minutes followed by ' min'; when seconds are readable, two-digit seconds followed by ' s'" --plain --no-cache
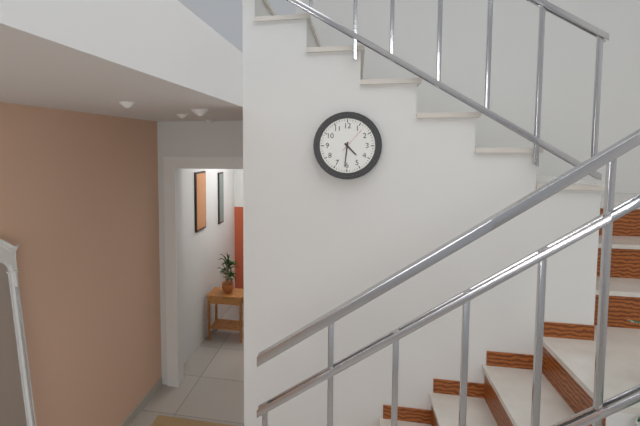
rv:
4 h 31 min
